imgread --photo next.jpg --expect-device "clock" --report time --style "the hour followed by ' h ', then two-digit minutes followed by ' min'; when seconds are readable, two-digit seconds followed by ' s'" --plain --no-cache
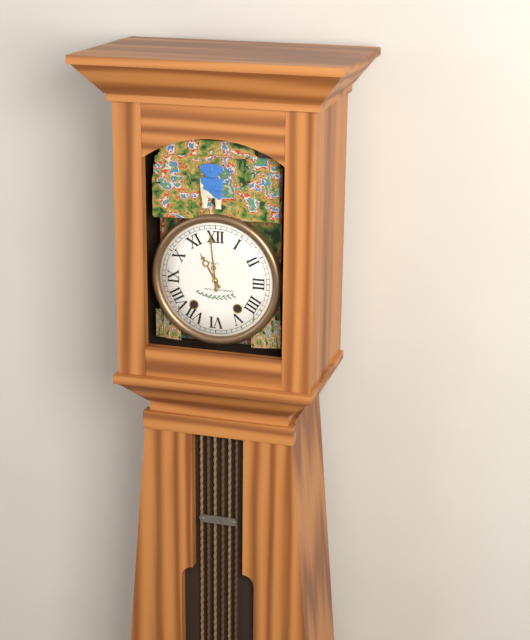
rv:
10 h 59 min
